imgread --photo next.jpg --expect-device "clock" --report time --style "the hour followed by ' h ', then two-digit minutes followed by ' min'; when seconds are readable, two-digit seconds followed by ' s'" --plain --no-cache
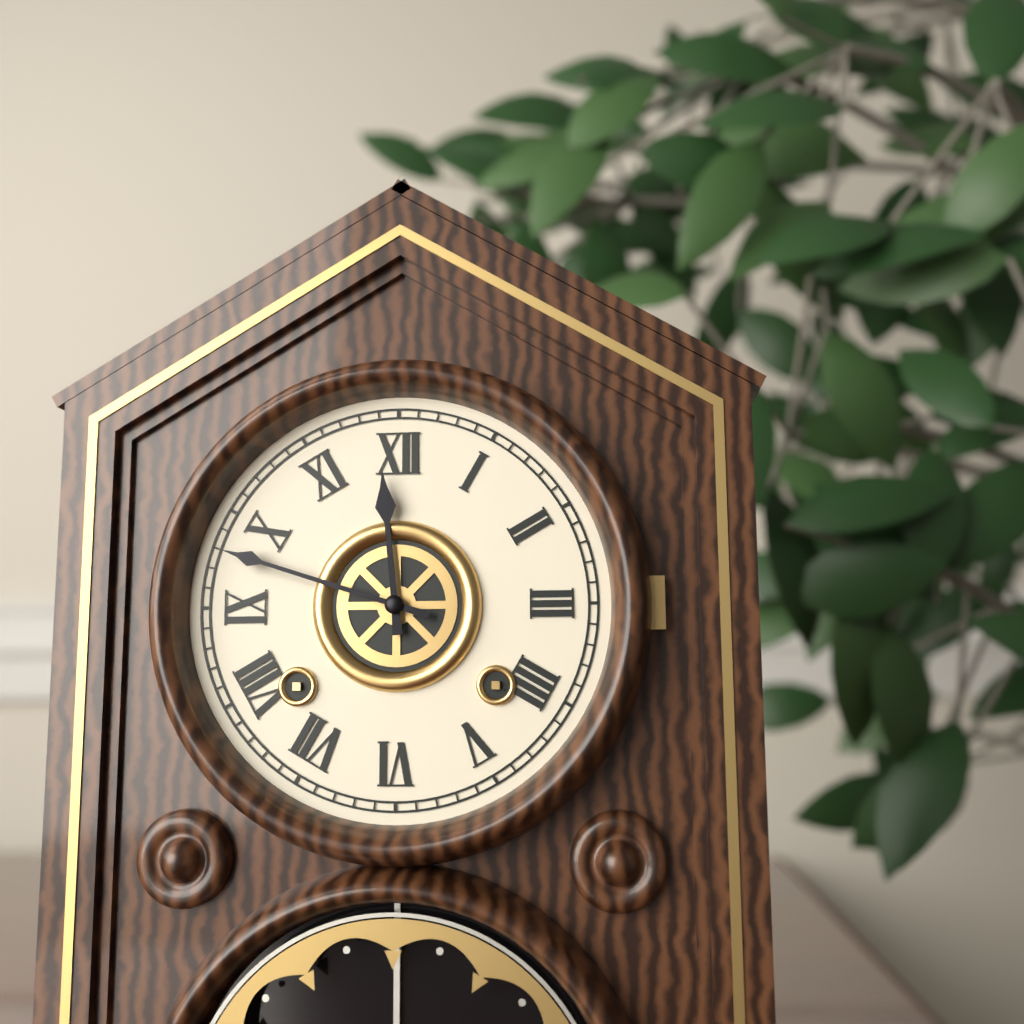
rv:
11 h 48 min
